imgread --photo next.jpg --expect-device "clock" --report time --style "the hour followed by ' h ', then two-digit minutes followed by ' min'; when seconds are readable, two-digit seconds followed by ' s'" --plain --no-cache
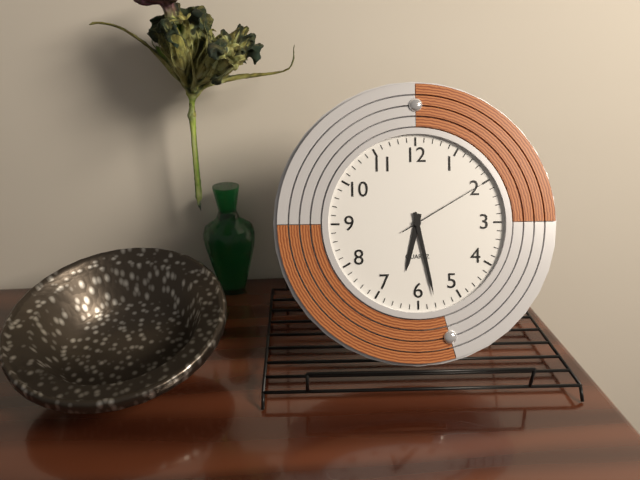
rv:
6 h 28 min 10 s
